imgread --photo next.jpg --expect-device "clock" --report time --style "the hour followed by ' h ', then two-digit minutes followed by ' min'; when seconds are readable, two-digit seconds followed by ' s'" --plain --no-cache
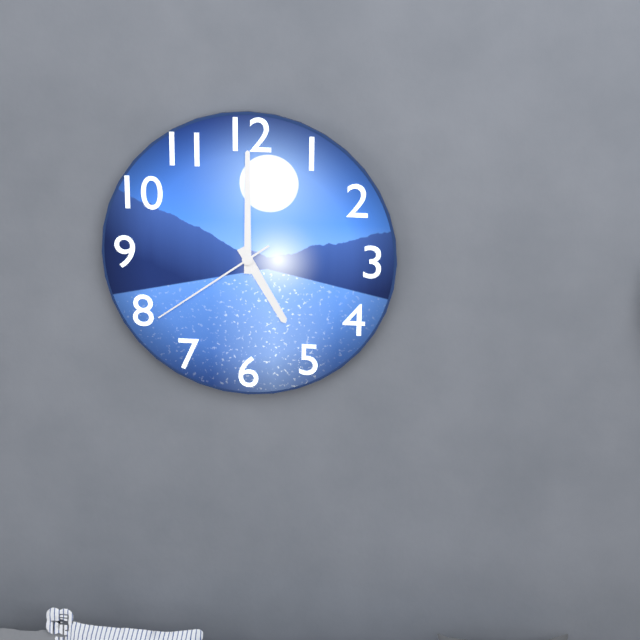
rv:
5 h 00 min 39 s
